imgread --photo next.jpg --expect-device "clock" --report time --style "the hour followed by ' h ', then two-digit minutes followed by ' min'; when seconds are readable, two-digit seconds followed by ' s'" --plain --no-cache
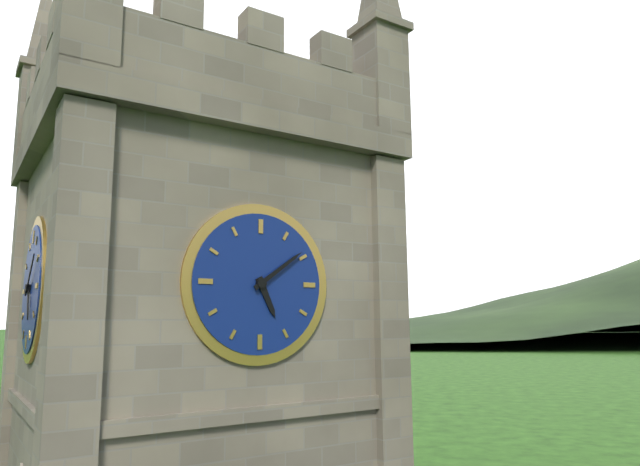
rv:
5 h 09 min
